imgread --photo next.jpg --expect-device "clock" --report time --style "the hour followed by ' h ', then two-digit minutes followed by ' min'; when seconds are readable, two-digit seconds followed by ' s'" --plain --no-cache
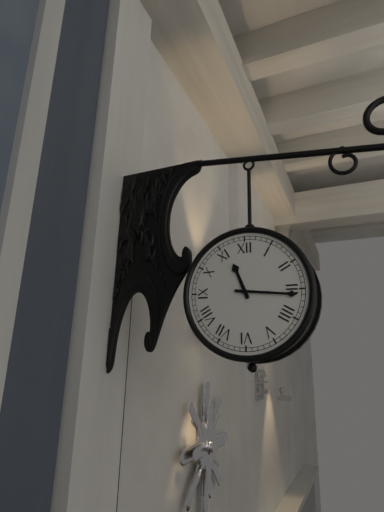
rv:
11 h 16 min
